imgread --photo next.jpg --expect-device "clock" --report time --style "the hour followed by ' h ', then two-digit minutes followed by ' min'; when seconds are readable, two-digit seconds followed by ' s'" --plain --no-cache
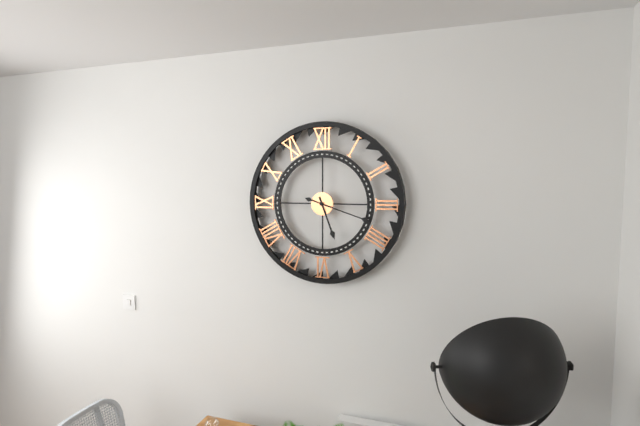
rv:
5 h 18 min
